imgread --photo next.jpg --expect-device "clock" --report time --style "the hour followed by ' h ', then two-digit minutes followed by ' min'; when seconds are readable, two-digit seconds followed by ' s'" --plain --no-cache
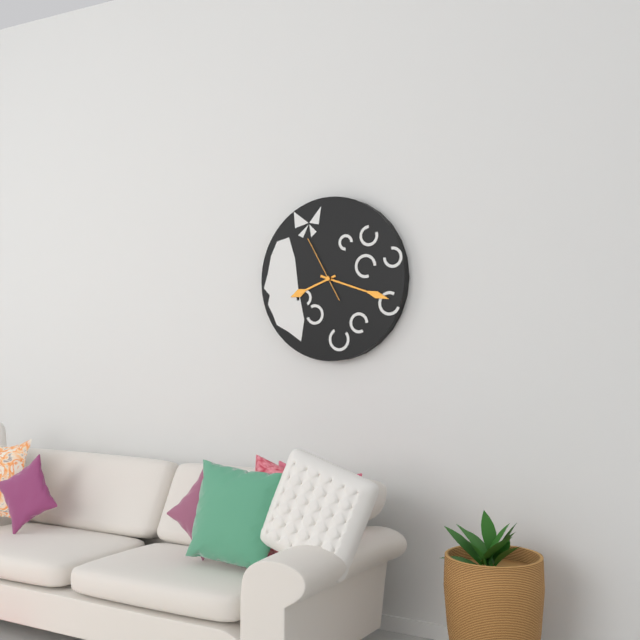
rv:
8 h 18 min 55 s
